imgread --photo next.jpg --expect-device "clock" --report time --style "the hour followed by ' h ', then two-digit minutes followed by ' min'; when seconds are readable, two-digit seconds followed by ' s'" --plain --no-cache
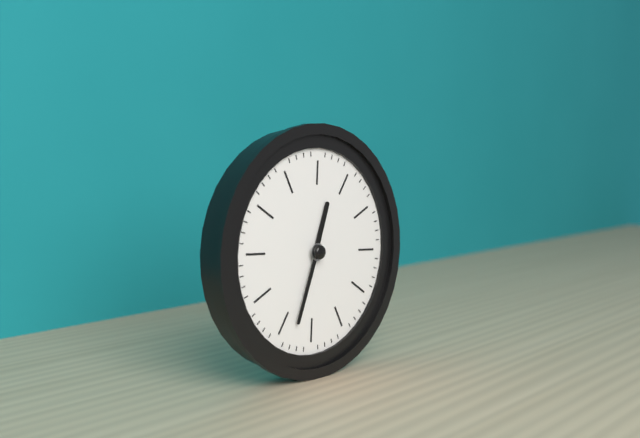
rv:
12 h 33 min
